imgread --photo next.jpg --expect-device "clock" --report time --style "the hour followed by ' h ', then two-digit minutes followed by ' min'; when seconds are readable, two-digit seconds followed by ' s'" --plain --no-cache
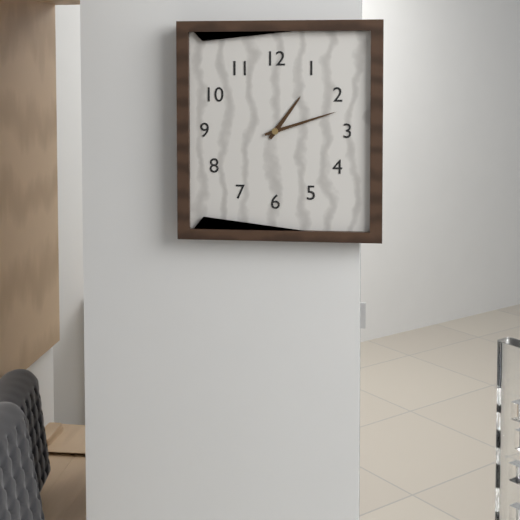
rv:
1 h 12 min
